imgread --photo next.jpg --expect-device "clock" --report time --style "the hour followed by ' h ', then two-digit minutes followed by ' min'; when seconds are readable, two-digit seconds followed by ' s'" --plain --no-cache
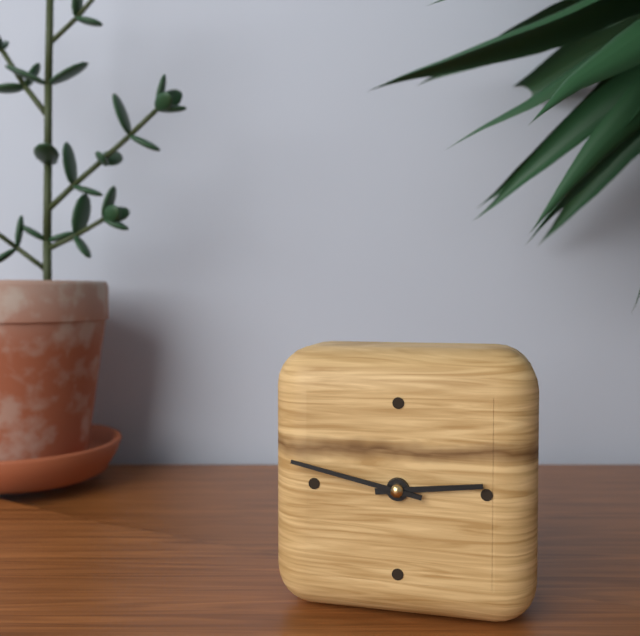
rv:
2 h 47 min
